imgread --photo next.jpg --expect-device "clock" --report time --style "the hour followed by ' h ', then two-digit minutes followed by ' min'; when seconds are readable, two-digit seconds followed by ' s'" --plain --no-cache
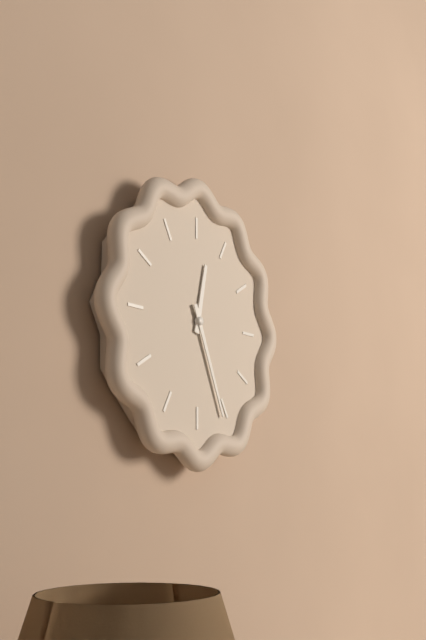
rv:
12 h 26 min
